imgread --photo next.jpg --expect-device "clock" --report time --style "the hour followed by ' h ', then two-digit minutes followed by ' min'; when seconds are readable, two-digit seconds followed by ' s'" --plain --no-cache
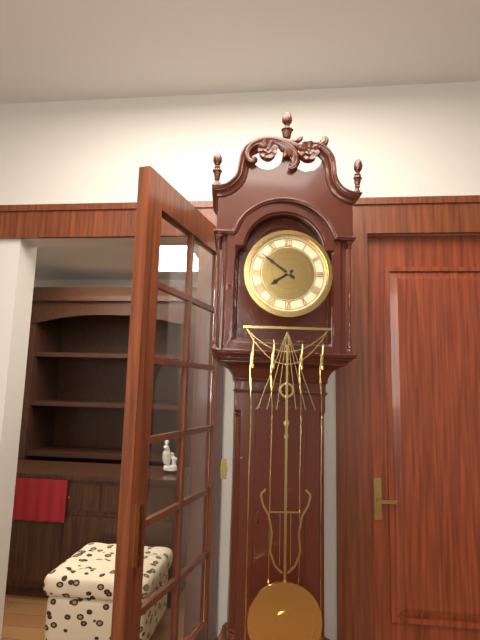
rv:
7 h 51 min
